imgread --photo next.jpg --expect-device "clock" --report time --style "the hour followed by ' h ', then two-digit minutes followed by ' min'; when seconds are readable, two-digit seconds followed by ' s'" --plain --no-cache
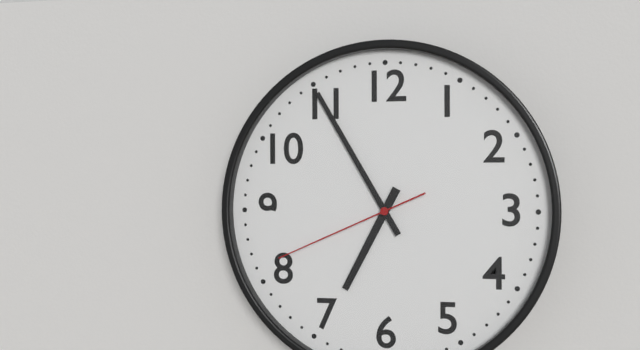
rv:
6 h 55 min 41 s
